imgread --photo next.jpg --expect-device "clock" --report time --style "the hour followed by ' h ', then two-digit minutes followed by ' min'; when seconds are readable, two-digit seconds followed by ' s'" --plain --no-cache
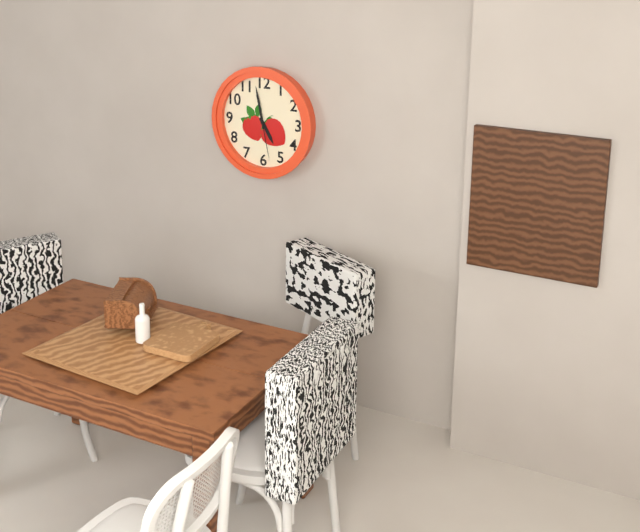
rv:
4 h 58 min
